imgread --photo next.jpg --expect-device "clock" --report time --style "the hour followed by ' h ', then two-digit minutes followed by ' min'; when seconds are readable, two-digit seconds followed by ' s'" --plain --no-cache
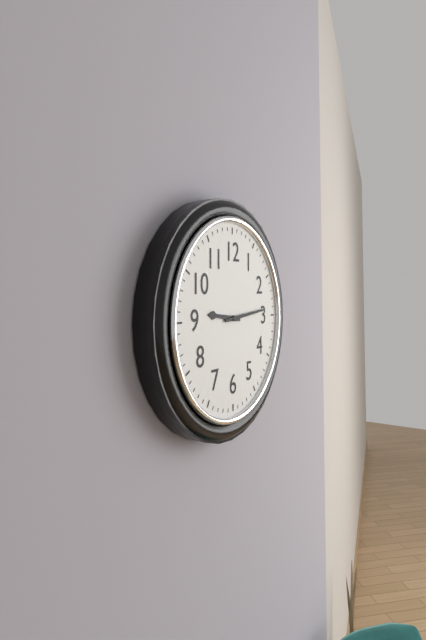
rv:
9 h 14 min
